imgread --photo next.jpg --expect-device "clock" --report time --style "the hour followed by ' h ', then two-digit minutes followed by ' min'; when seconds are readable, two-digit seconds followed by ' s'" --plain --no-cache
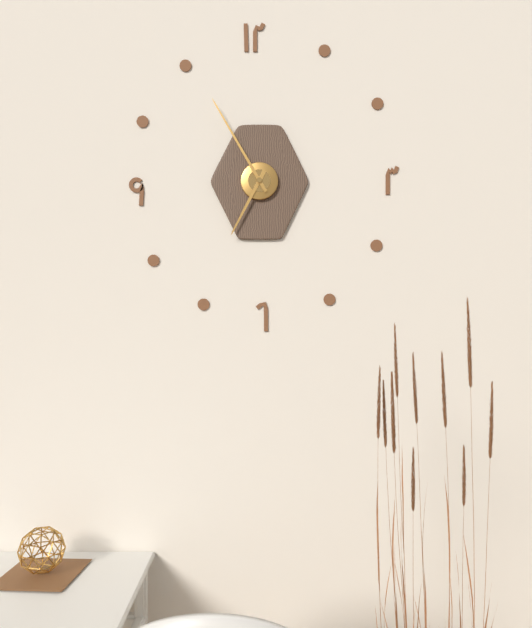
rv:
6 h 55 min
